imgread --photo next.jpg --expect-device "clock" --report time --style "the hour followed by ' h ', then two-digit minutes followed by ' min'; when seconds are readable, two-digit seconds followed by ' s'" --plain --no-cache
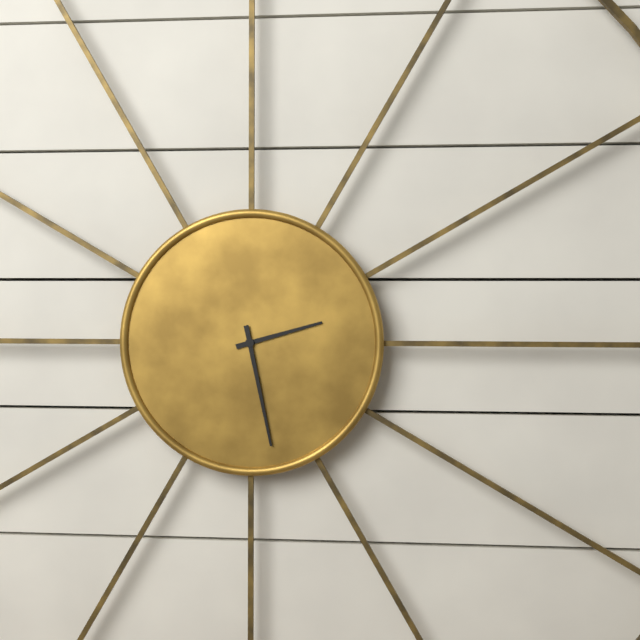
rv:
2 h 28 min
